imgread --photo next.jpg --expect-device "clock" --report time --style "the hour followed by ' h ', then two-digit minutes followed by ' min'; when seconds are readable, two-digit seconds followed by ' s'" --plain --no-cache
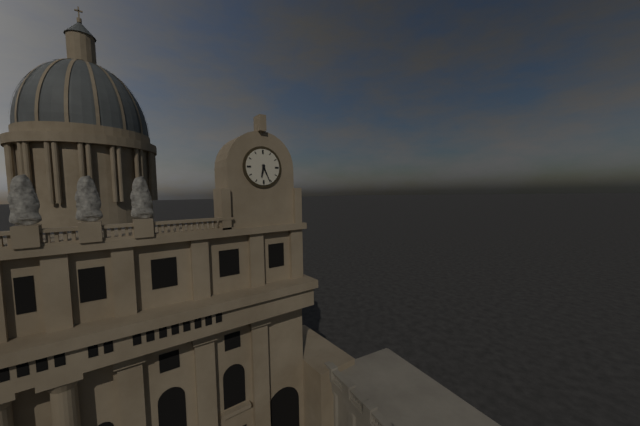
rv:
6 h 26 min
